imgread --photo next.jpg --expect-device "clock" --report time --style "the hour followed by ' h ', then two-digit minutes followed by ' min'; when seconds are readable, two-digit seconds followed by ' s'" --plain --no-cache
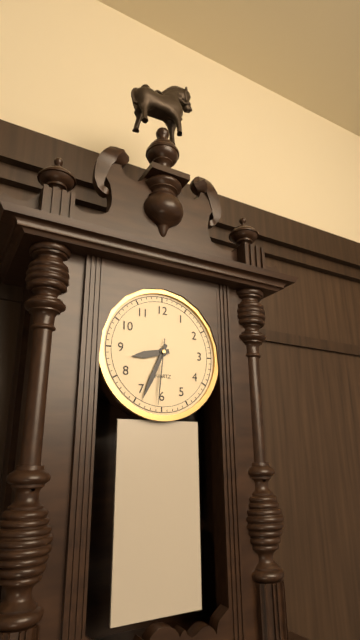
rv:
8 h 34 min 31 s
